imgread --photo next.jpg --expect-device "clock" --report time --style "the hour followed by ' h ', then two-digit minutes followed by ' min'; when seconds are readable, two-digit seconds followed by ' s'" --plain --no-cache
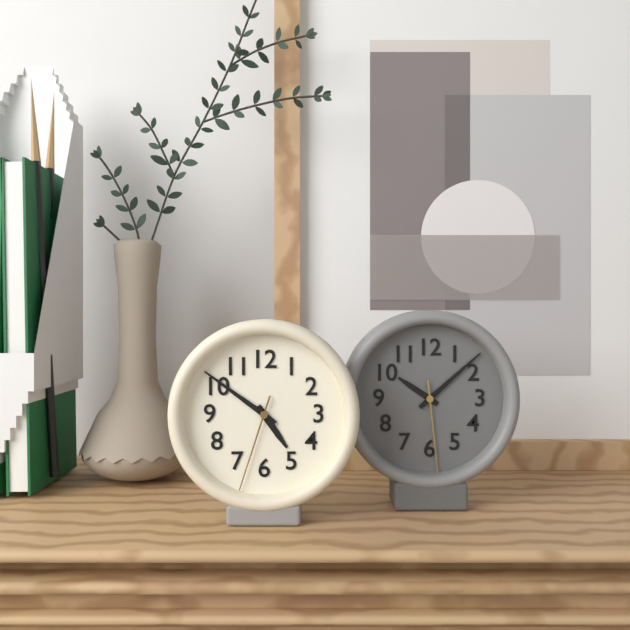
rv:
4 h 51 min 33 s
